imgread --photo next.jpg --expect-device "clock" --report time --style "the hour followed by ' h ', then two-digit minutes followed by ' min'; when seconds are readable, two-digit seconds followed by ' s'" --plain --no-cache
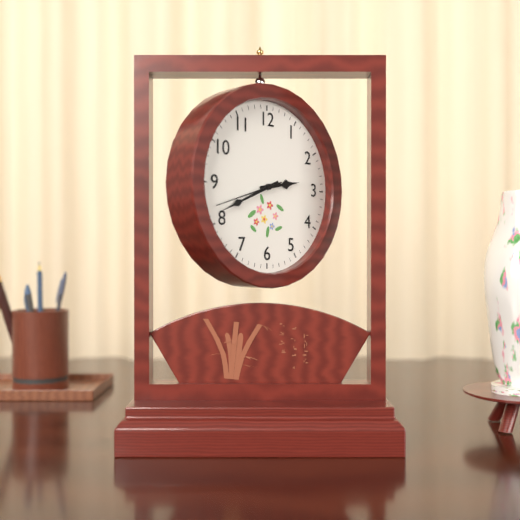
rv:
2 h 41 min 42 s
